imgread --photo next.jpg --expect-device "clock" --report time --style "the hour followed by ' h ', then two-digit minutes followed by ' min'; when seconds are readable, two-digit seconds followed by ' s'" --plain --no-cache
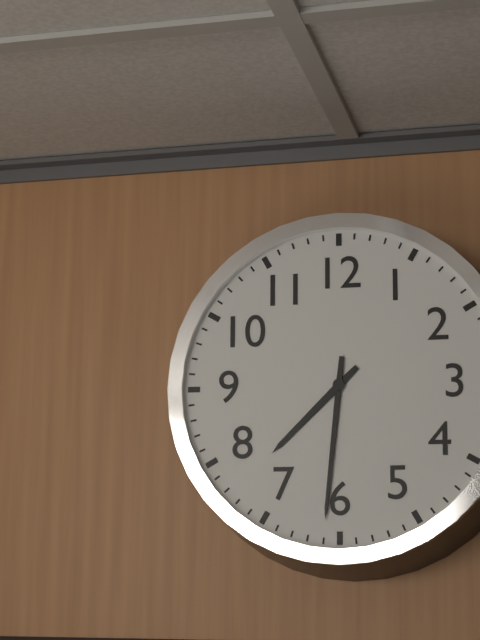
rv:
7 h 31 min
